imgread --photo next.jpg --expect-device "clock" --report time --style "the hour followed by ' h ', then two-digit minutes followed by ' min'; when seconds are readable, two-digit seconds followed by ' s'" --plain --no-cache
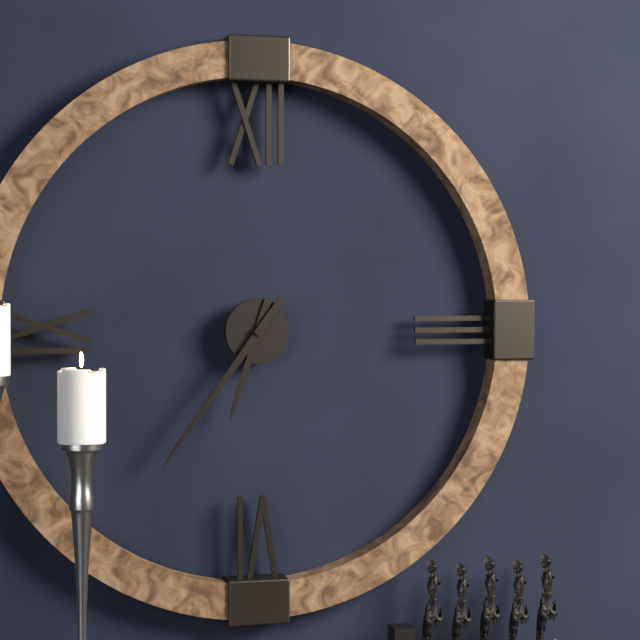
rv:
6 h 36 min
